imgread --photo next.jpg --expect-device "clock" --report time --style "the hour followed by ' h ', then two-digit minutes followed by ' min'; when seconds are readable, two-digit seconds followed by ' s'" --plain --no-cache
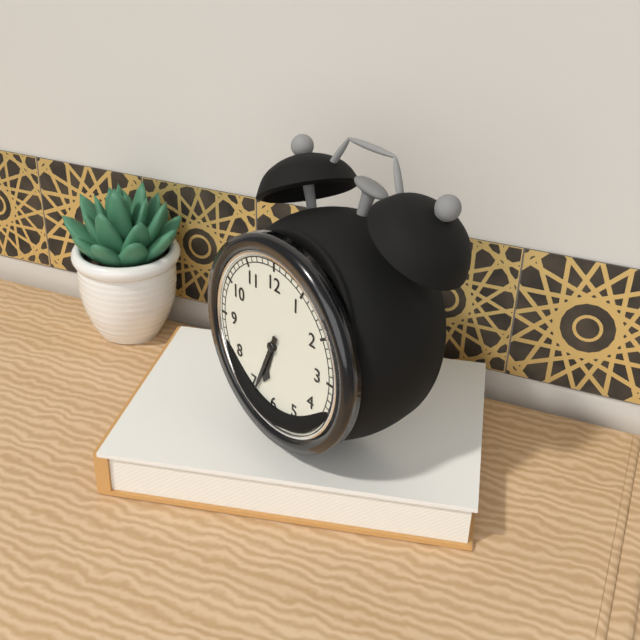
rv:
6 h 34 min
